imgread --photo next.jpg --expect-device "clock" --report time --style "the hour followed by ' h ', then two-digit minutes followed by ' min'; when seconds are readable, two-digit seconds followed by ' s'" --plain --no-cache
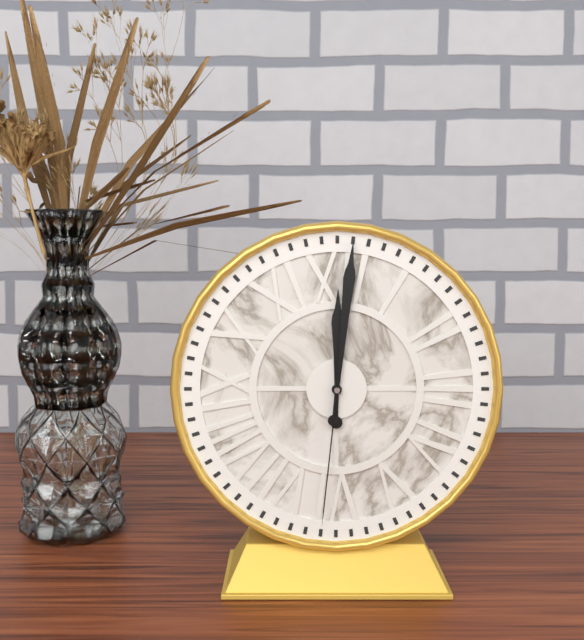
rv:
12 h 01 min 31 s
